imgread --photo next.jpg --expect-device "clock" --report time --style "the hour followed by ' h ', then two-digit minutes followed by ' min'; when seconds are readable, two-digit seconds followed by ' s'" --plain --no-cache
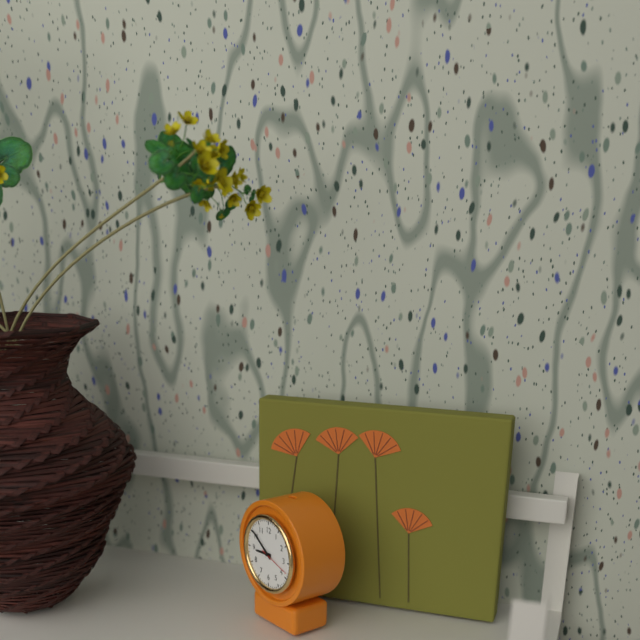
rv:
8 h 51 min
